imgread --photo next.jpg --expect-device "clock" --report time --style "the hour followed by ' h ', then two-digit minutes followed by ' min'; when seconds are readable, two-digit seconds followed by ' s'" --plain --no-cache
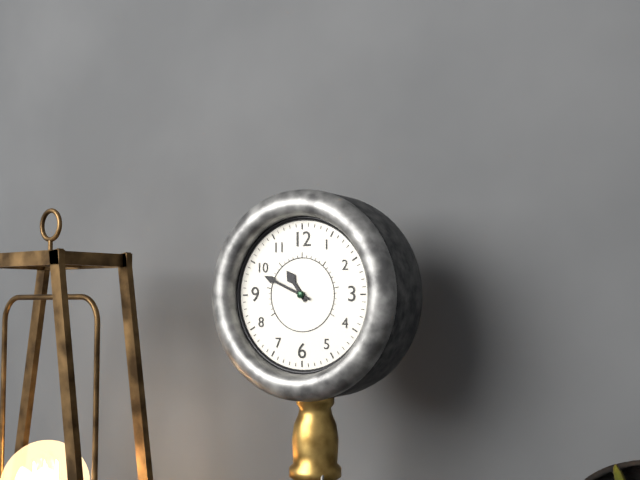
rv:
10 h 49 min
